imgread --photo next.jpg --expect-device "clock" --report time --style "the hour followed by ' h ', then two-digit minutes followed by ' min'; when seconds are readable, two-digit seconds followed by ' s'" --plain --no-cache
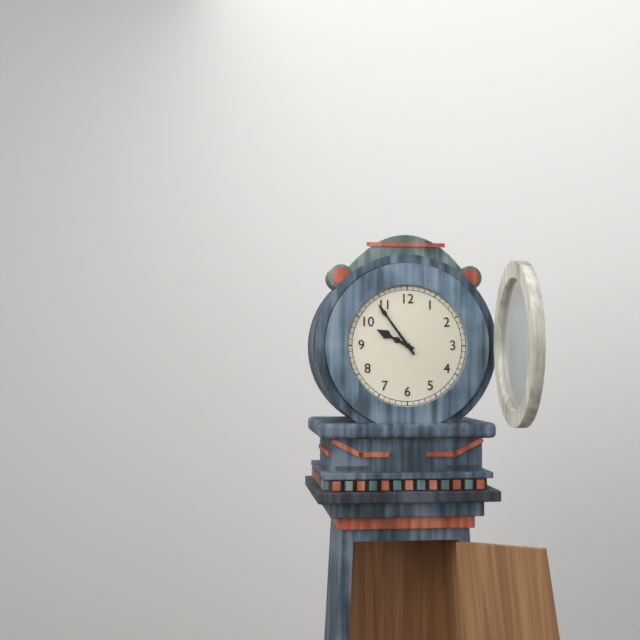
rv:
9 h 54 min
